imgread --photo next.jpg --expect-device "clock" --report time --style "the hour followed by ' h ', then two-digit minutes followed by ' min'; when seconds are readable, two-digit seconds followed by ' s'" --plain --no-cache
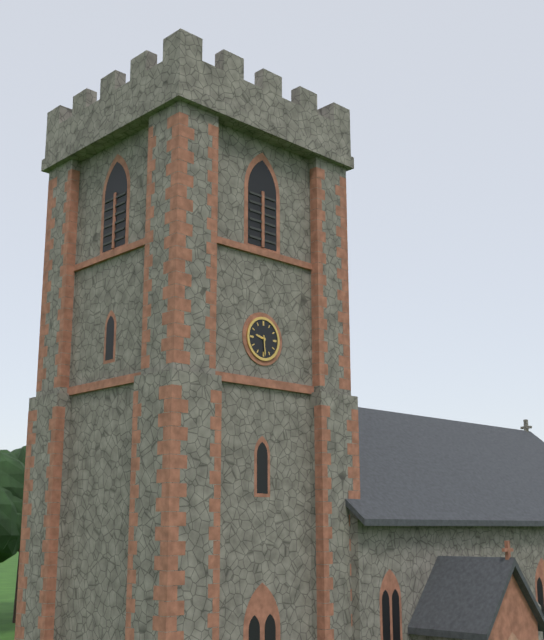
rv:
9 h 29 min
